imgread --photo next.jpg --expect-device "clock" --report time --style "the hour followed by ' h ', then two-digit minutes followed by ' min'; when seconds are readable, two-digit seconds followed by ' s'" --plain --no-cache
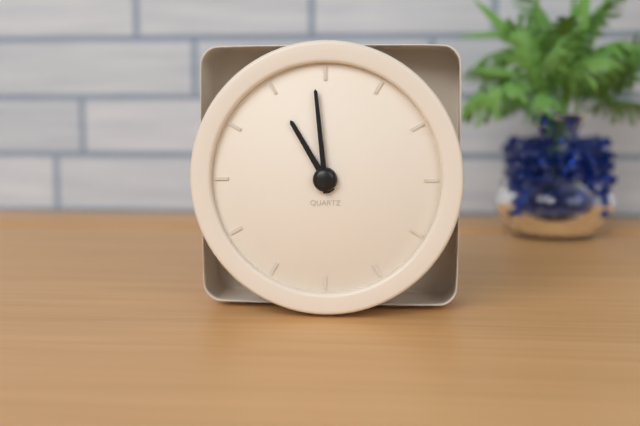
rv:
10 h 59 min
